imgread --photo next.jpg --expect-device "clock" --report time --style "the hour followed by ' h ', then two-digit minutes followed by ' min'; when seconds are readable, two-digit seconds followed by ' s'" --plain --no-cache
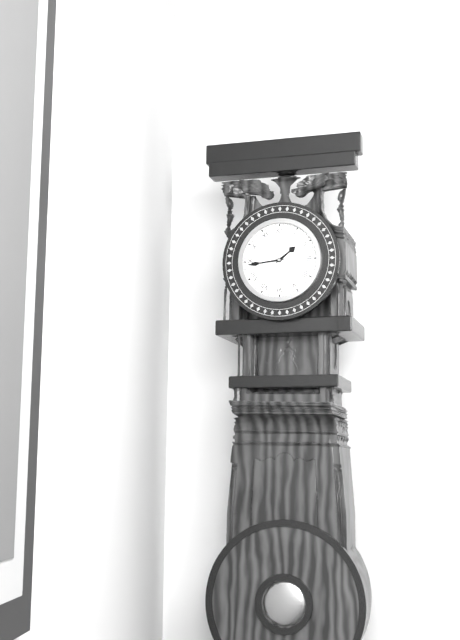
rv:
1 h 44 min
